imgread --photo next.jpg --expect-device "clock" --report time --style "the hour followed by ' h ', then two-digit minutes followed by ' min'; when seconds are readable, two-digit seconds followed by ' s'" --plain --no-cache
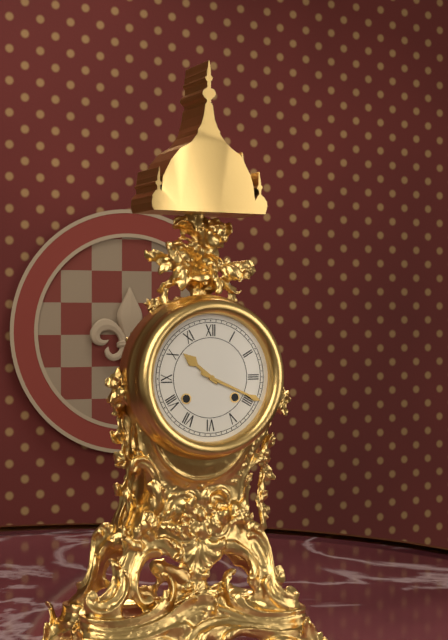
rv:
10 h 19 min
